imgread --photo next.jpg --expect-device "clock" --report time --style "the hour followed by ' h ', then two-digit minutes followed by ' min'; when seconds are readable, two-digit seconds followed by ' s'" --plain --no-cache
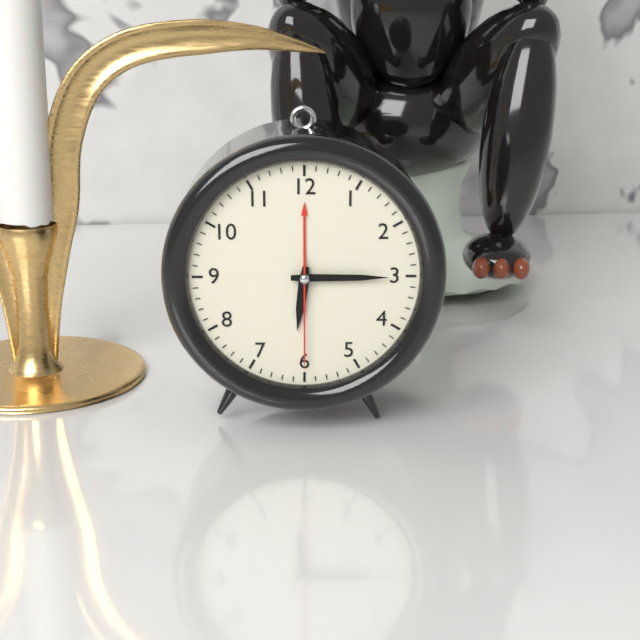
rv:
6 h 15 min 30 s
